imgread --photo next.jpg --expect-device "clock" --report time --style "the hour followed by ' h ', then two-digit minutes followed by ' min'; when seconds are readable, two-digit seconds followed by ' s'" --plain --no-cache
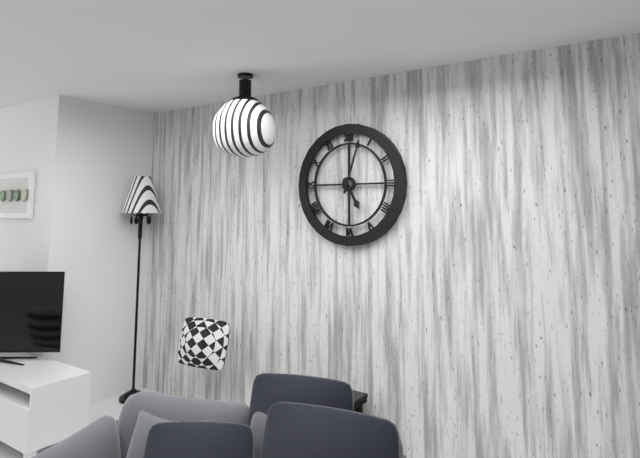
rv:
5 h 03 min
